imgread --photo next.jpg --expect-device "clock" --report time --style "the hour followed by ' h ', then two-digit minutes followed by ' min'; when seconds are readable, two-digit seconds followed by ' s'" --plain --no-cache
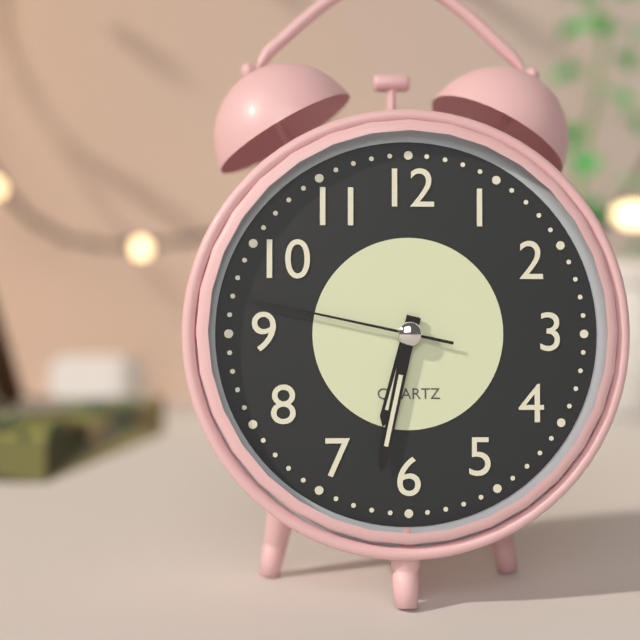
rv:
6 h 32 min 47 s
